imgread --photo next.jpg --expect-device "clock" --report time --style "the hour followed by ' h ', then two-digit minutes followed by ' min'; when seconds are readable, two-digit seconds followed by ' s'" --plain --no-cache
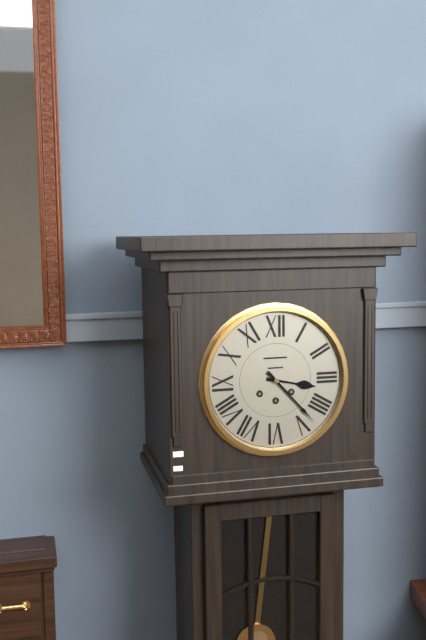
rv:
3 h 23 min
